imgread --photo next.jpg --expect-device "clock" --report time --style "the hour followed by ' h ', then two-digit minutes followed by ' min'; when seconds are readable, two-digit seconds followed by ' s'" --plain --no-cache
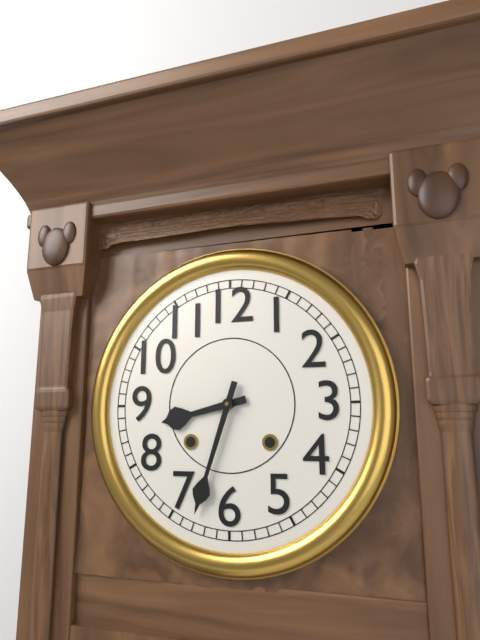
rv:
8 h 33 min
